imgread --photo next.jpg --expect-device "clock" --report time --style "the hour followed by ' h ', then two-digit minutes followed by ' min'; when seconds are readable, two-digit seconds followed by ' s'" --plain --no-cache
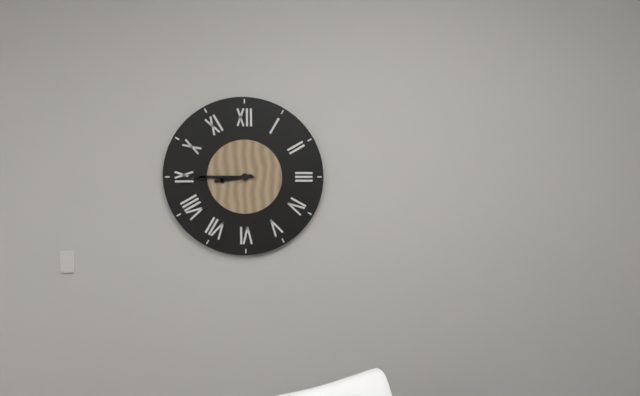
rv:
8 h 45 min
